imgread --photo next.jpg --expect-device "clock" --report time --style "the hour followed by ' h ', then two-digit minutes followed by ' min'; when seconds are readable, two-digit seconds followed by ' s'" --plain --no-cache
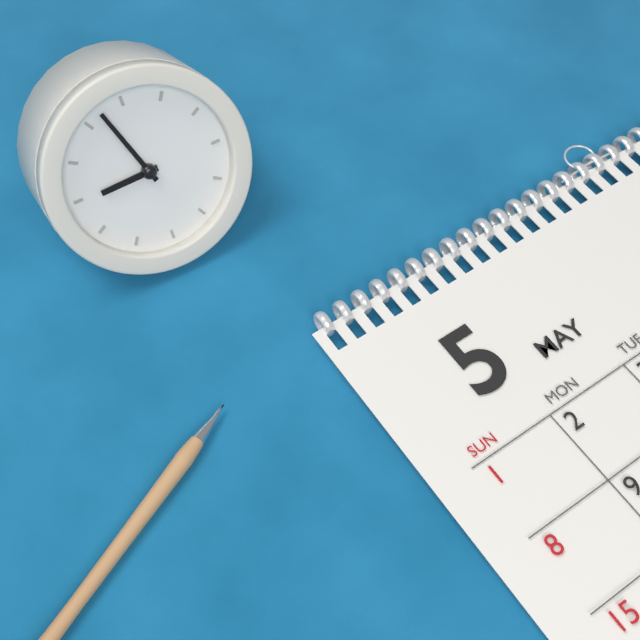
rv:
8 h 57 min
